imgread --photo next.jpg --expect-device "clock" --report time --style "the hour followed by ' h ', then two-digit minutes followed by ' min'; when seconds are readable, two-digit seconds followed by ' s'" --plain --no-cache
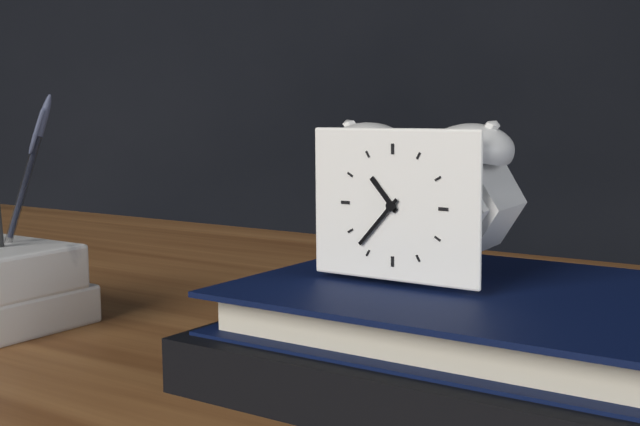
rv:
10 h 37 min
